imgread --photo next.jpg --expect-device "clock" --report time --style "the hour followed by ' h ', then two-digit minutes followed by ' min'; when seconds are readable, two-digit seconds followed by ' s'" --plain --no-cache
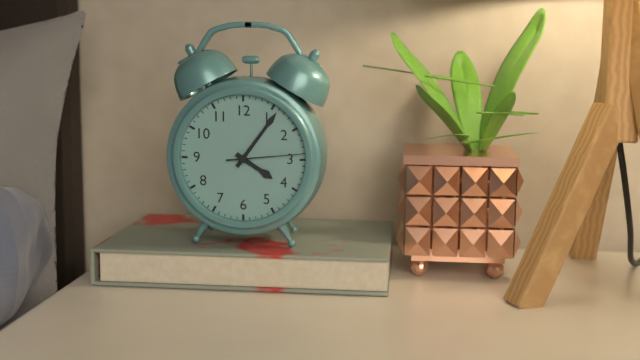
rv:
4 h 06 min 14 s
